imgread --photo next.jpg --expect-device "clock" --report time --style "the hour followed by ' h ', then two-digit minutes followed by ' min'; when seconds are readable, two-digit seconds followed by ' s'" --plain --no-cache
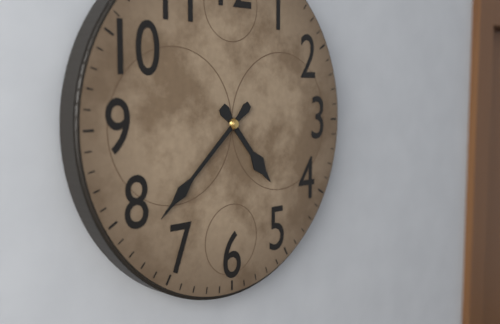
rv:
4 h 38 min
